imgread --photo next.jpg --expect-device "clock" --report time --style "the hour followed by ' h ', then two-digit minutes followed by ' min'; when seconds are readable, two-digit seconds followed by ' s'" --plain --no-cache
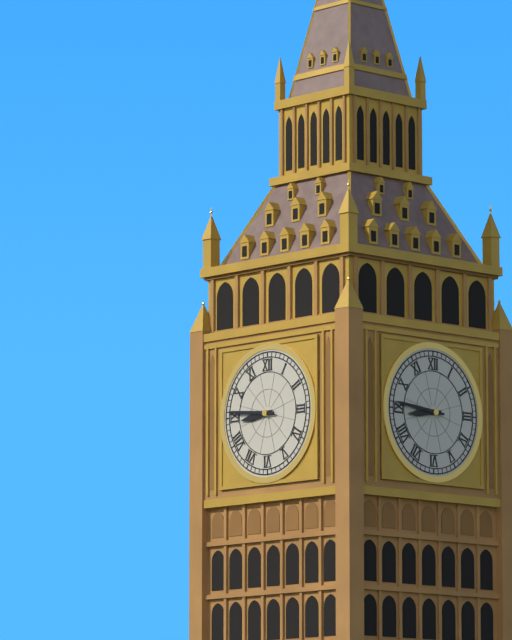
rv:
8 h 46 min
